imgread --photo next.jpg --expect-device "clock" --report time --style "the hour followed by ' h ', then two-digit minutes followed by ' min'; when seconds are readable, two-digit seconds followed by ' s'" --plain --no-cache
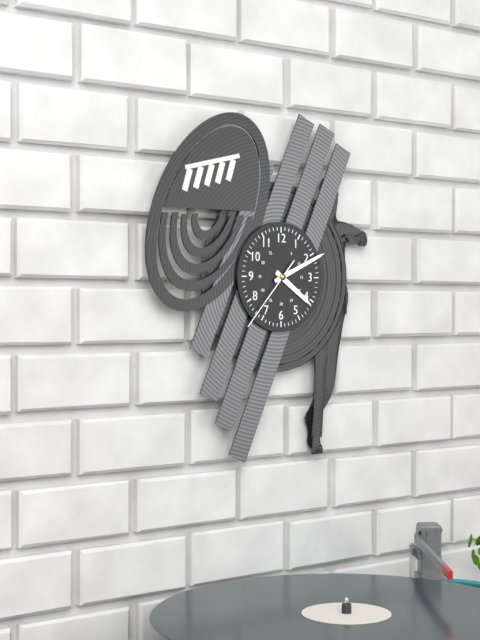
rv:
4 h 11 min 37 s
